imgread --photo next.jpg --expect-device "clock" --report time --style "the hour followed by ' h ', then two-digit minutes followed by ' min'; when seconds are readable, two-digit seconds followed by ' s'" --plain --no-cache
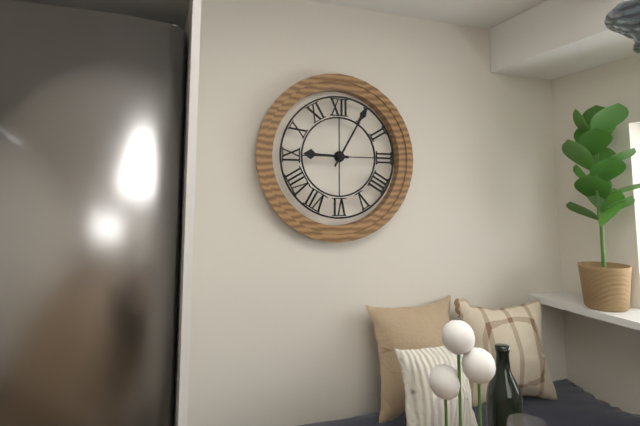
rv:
9 h 05 min
